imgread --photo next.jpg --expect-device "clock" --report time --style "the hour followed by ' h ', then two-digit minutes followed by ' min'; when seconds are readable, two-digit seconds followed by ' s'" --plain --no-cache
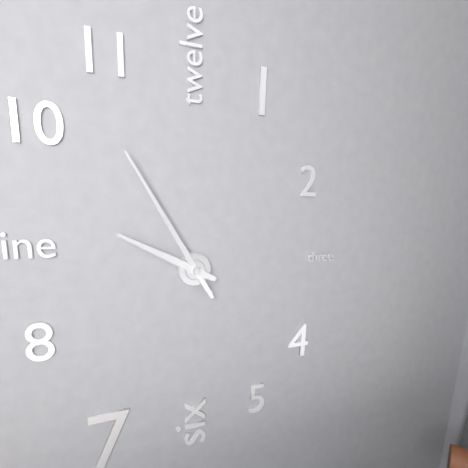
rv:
9 h 55 min
